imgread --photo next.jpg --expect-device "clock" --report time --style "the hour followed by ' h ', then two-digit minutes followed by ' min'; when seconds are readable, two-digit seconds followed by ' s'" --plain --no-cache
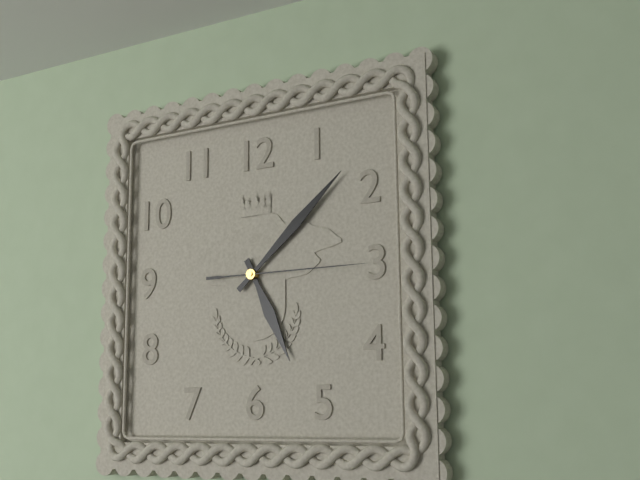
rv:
5 h 08 min 15 s
